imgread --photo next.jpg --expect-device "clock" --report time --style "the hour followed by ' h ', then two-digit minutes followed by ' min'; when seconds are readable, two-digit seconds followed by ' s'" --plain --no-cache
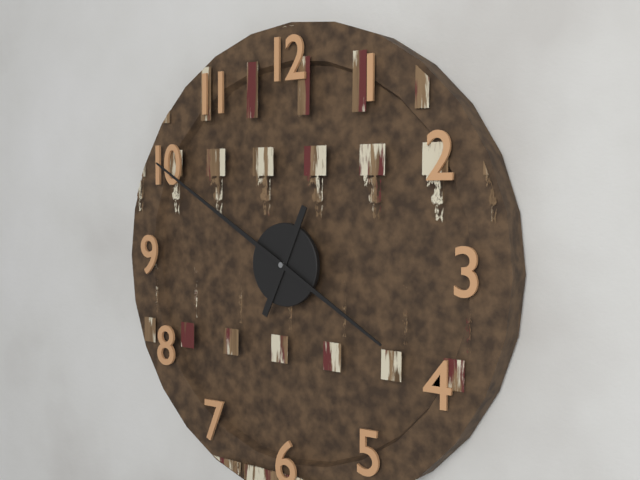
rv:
12 h 50 min
